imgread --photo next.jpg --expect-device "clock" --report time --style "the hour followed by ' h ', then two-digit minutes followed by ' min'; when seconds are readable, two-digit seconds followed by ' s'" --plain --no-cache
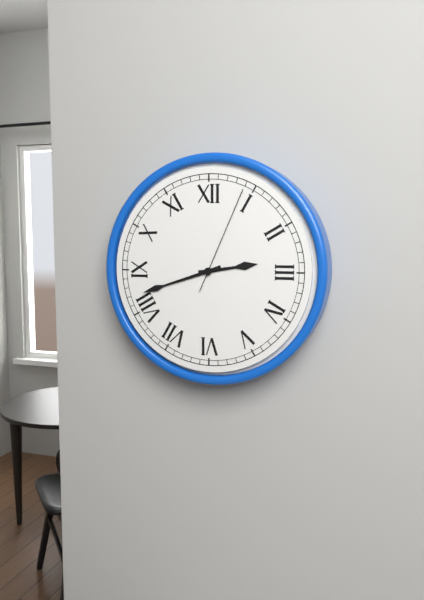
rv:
2 h 42 min 04 s
